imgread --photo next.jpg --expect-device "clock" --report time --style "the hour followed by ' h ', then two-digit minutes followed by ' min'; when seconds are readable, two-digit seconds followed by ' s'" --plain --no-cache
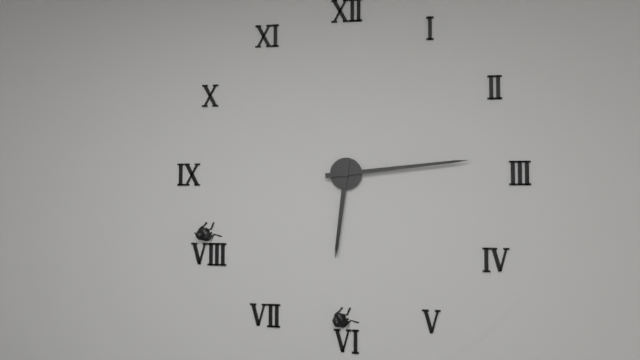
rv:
6 h 14 min
